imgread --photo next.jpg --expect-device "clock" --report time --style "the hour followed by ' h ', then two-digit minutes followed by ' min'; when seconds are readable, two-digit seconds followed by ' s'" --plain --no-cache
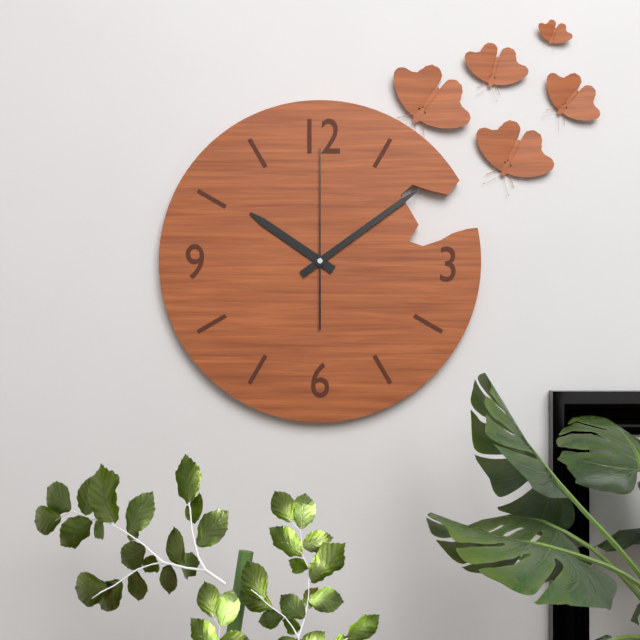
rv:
10 h 09 min 00 s
